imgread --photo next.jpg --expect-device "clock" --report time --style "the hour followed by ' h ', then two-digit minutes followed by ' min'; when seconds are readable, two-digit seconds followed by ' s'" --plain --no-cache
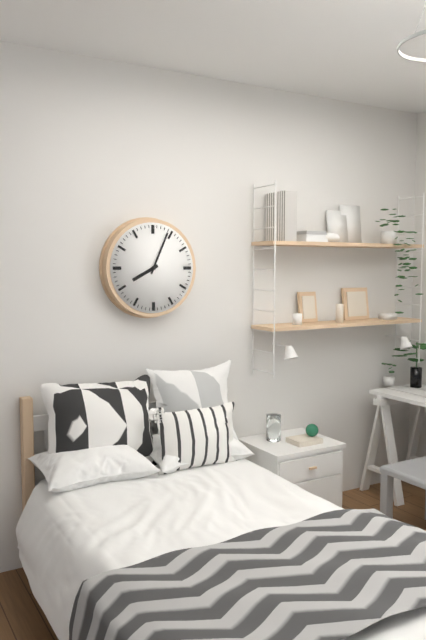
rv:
8 h 04 min
